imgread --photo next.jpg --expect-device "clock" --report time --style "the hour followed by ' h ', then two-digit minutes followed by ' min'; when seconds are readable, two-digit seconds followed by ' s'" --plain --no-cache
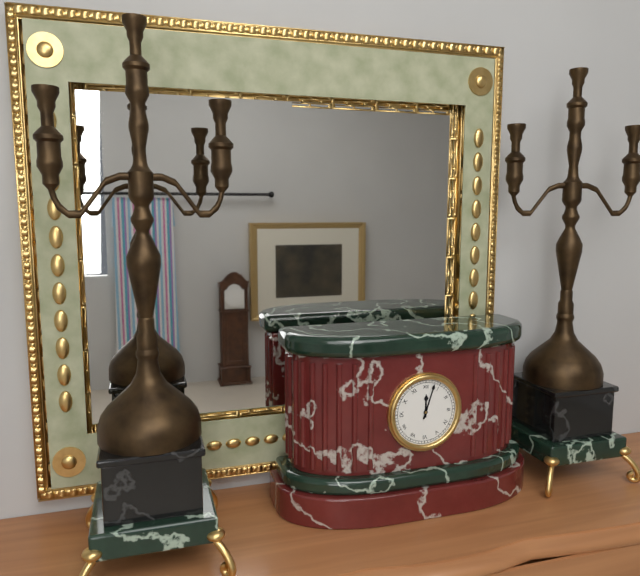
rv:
12 h 03 min
